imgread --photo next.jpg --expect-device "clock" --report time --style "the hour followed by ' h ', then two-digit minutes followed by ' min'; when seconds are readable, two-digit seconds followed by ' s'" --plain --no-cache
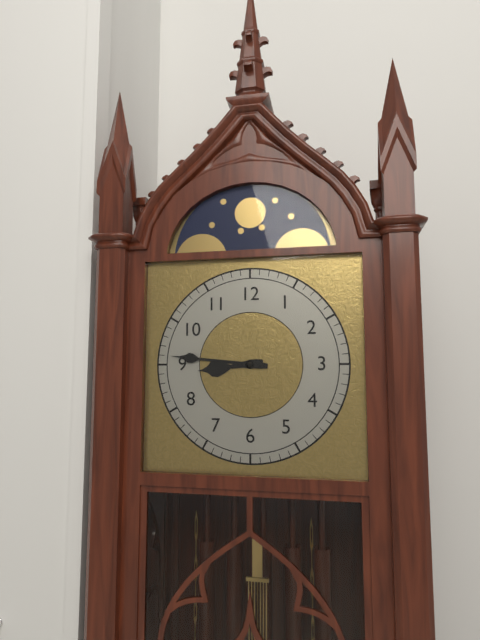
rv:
8 h 46 min
